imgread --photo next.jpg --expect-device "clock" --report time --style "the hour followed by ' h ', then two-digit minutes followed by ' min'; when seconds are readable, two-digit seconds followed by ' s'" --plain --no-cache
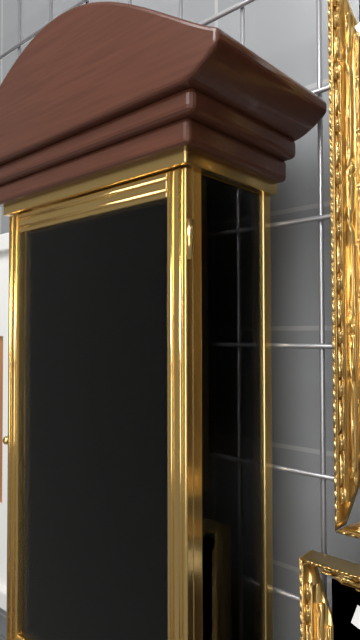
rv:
2 h 20 min
